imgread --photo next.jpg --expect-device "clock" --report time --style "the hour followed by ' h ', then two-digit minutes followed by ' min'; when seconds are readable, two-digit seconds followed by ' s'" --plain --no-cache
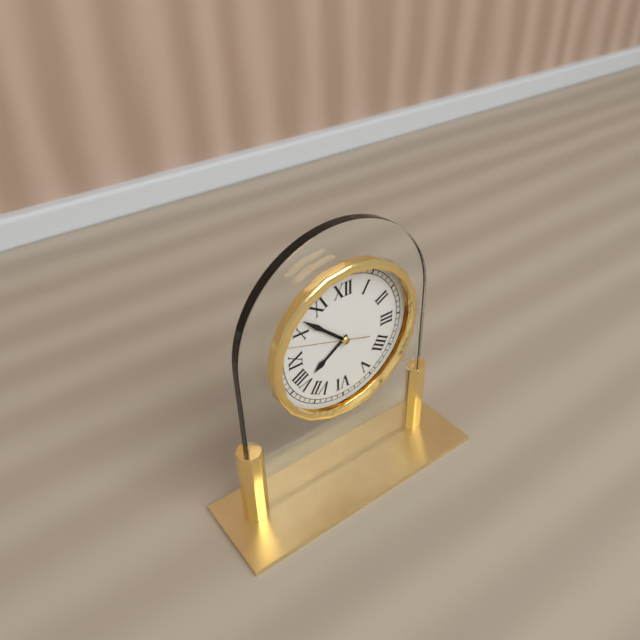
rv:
7 h 52 min 48 s
